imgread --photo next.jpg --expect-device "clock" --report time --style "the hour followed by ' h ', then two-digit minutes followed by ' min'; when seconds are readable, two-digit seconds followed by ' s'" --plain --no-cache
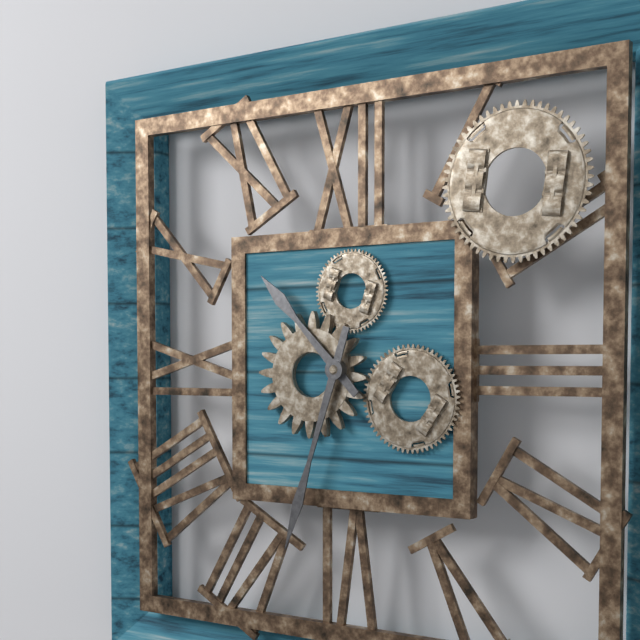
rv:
10 h 33 min
